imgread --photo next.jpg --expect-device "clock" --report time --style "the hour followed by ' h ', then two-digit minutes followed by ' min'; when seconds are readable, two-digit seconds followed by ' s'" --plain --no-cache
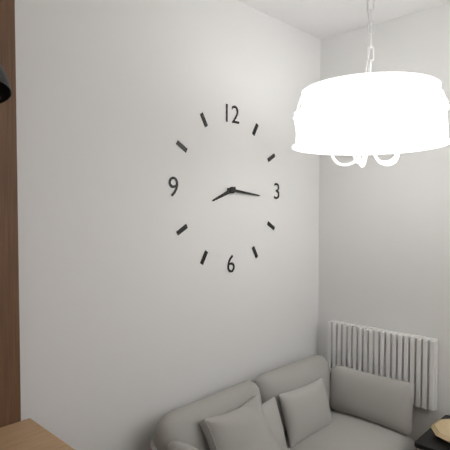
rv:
8 h 16 min
